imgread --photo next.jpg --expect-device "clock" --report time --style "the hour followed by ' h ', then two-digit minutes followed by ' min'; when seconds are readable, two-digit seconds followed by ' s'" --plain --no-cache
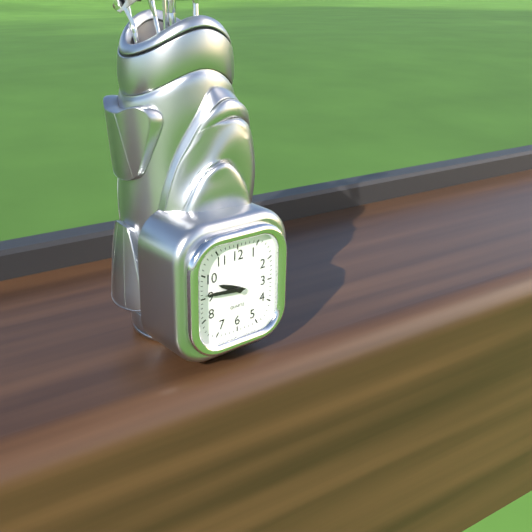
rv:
9 h 46 min
